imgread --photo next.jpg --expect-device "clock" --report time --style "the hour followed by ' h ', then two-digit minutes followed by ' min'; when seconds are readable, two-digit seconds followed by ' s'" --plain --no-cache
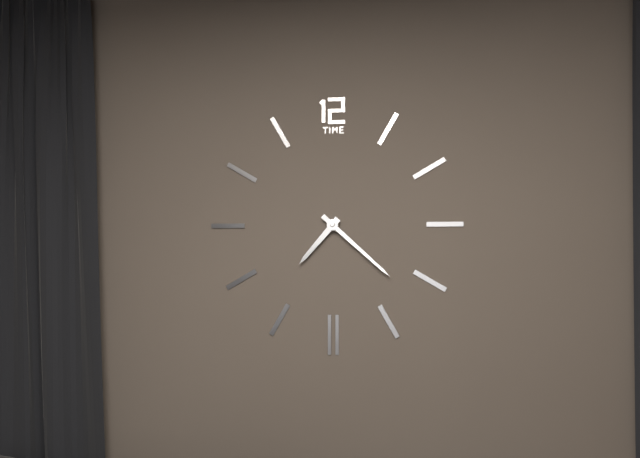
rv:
7 h 22 min
